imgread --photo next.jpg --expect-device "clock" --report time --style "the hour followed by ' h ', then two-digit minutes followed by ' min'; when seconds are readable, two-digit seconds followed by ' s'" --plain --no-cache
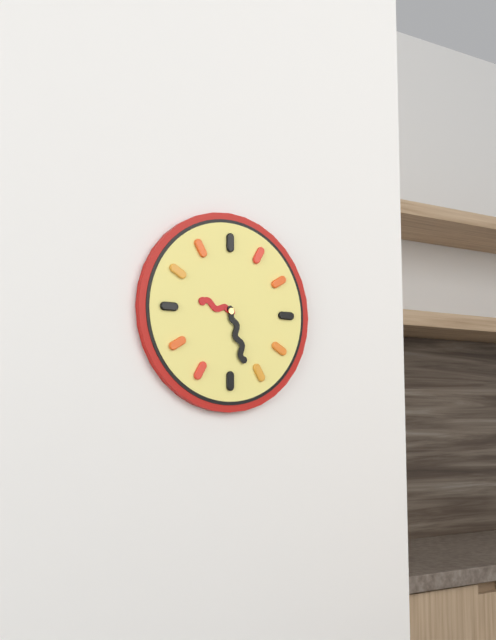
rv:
9 h 27 min
